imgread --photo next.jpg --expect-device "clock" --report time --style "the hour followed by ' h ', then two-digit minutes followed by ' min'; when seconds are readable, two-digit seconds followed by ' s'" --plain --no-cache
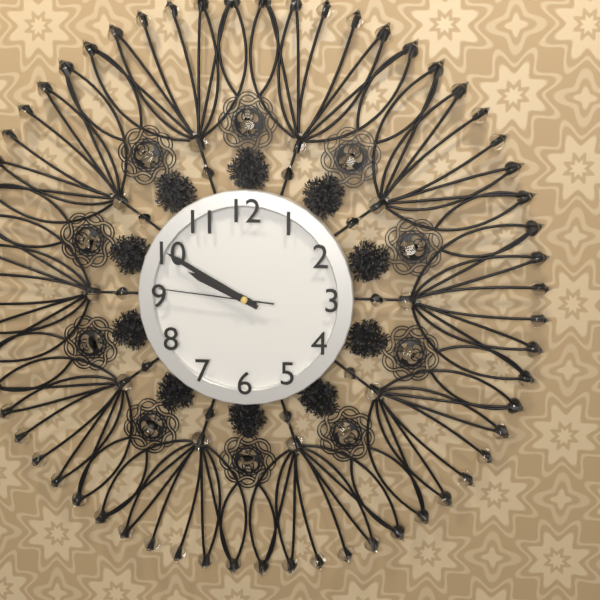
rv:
9 h 50 min 46 s
